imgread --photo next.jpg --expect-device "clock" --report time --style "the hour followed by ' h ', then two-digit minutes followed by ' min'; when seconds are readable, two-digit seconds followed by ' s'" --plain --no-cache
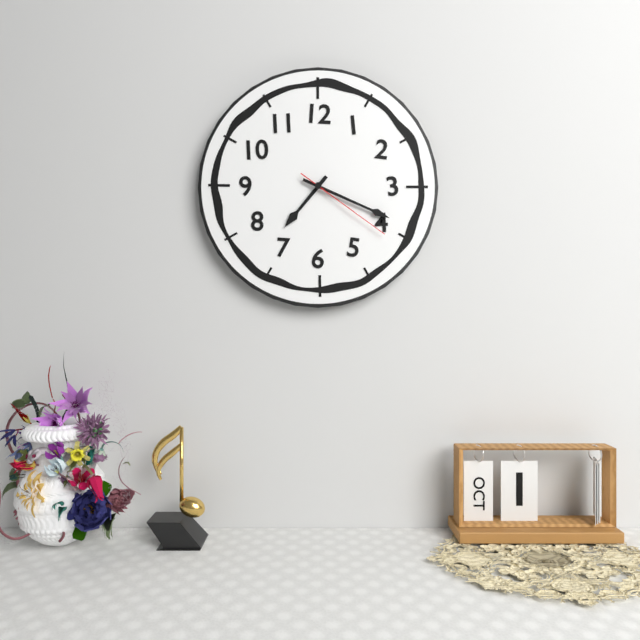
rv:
7 h 19 min 21 s
